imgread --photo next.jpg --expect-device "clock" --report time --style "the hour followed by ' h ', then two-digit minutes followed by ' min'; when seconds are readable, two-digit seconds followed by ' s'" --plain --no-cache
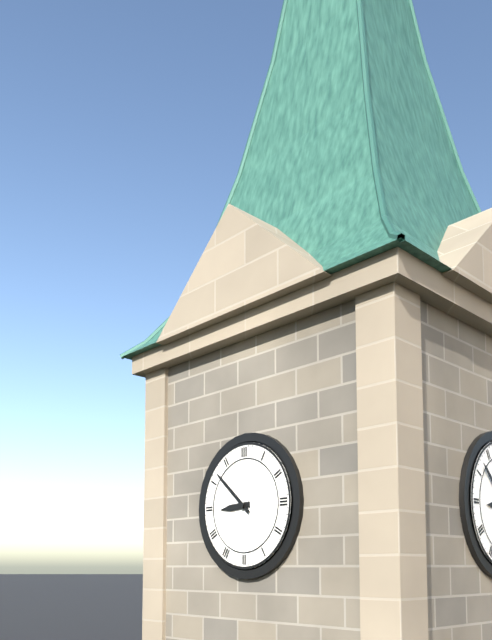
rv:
8 h 52 min
